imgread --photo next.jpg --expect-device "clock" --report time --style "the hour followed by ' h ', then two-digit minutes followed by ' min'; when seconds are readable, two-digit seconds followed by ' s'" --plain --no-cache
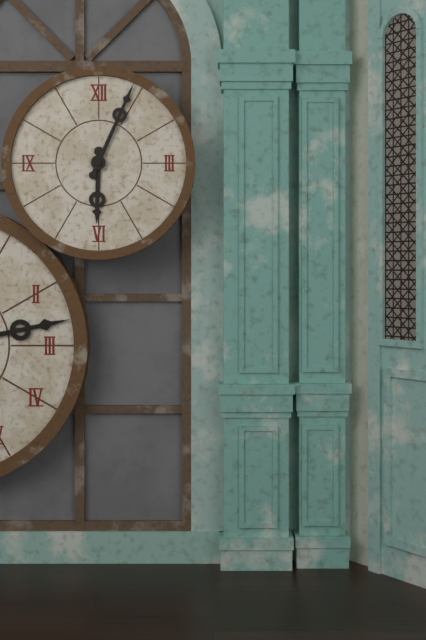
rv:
6 h 04 min
